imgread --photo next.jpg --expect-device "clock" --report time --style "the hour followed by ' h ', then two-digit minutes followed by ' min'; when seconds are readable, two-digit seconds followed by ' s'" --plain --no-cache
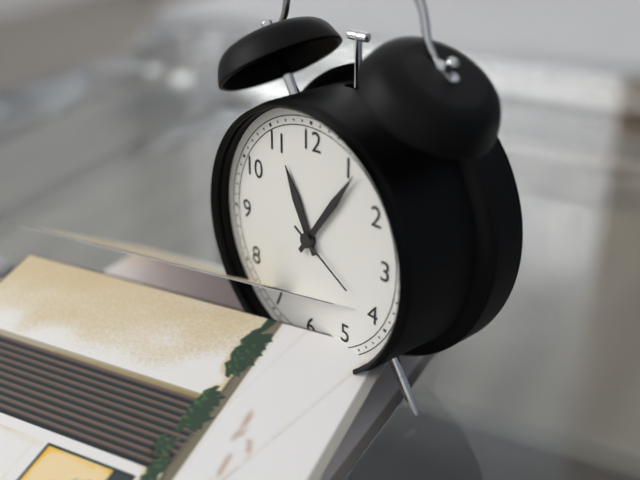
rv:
11 h 06 min 20 s
